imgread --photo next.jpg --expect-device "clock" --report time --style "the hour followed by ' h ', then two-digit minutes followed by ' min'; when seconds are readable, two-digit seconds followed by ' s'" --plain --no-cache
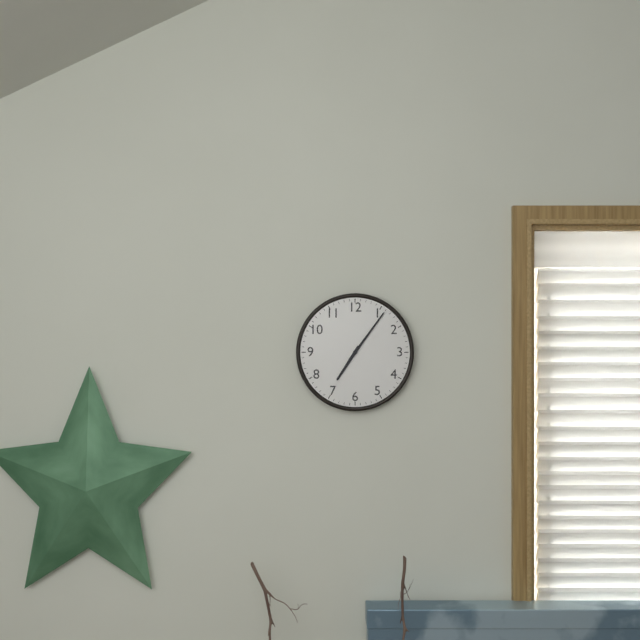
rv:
7 h 06 min
